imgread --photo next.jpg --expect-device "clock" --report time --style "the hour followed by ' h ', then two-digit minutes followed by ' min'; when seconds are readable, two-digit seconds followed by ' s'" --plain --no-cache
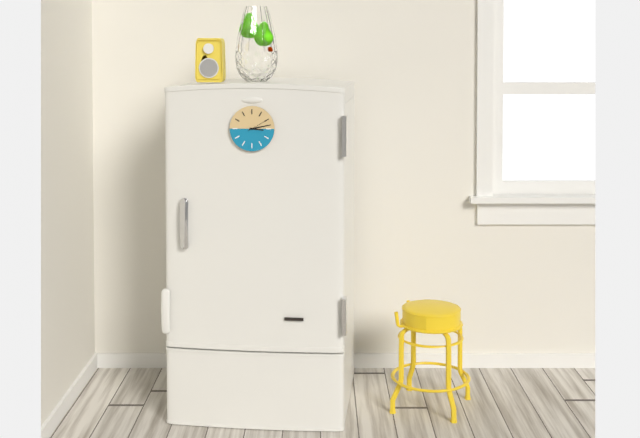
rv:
3 h 13 min
